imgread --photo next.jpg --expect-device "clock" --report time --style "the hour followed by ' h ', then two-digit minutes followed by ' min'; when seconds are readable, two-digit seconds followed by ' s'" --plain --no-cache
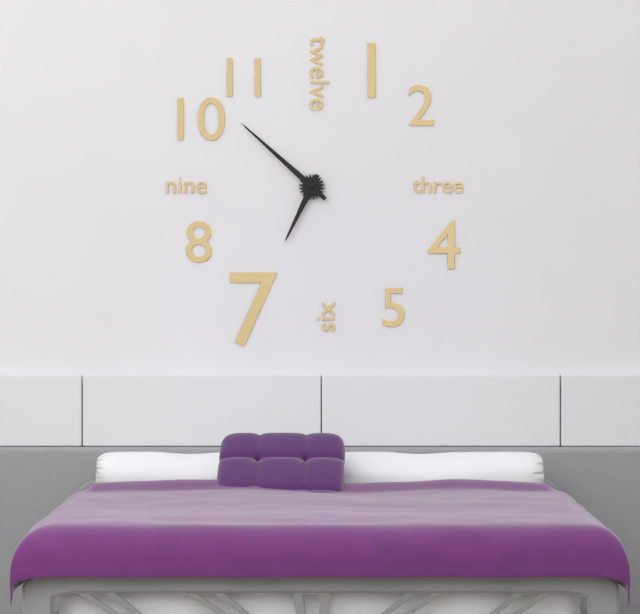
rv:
6 h 52 min
